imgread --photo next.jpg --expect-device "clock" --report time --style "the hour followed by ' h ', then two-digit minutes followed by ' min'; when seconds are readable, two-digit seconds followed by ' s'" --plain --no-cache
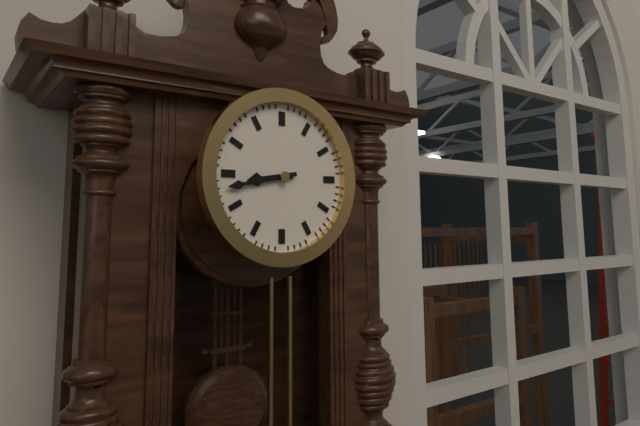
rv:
8 h 43 min
